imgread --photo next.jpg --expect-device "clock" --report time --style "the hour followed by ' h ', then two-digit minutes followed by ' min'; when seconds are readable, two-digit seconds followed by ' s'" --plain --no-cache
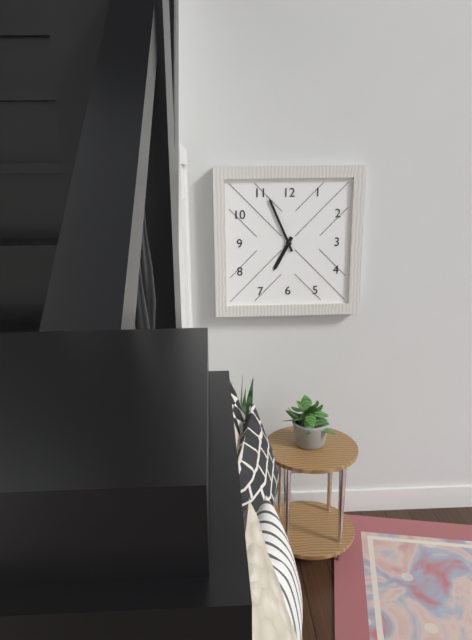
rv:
6 h 56 min
